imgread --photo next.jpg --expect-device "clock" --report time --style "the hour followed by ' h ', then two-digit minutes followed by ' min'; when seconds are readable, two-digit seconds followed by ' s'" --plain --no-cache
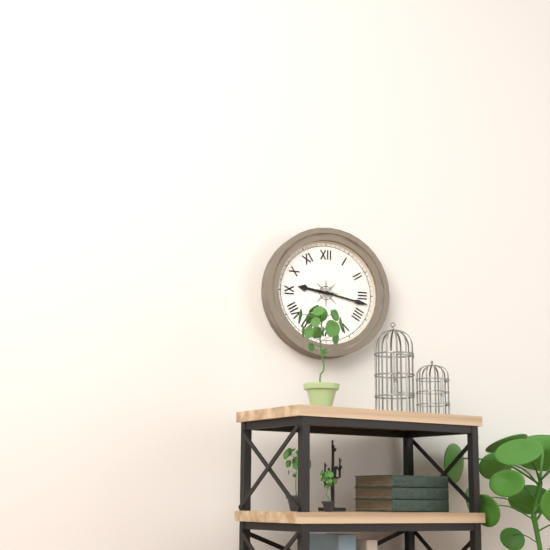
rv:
9 h 17 min
